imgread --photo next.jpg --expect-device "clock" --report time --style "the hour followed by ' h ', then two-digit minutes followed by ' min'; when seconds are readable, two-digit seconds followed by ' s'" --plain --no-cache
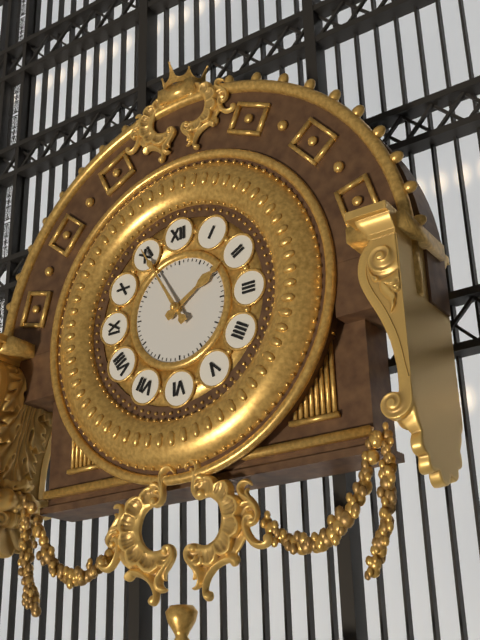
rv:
1 h 55 min
